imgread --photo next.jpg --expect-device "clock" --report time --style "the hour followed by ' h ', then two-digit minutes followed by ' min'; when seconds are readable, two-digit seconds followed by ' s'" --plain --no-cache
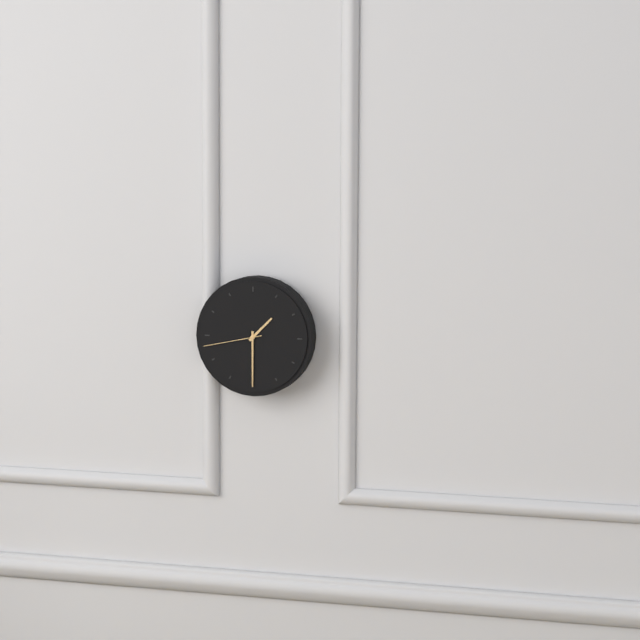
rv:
1 h 30 min 43 s
